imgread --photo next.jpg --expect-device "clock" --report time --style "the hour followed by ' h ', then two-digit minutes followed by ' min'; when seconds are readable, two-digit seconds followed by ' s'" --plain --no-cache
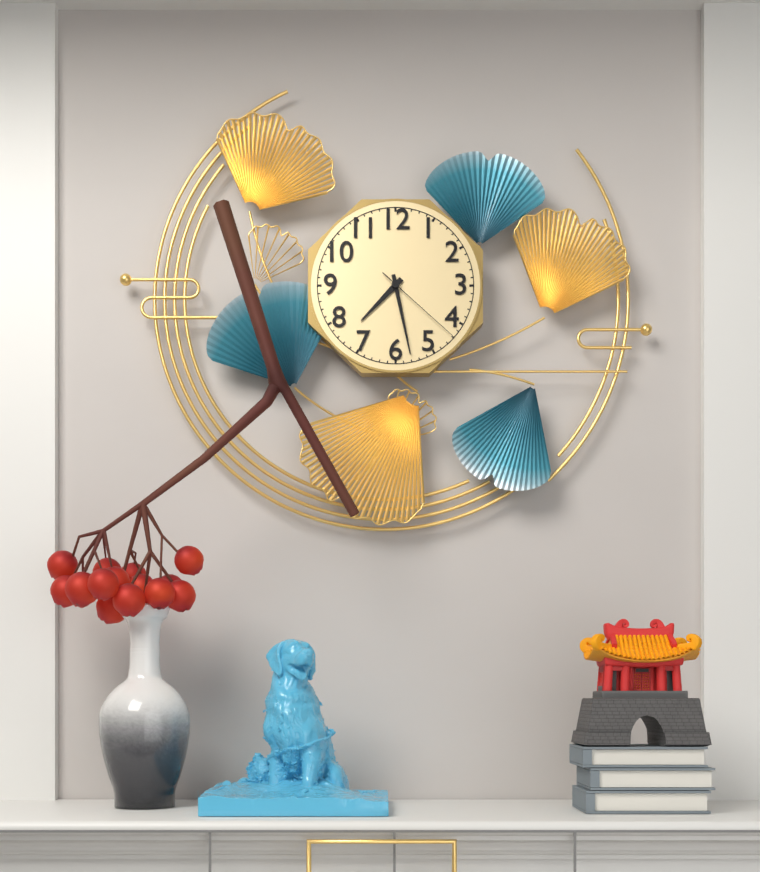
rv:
7 h 28 min 22 s
